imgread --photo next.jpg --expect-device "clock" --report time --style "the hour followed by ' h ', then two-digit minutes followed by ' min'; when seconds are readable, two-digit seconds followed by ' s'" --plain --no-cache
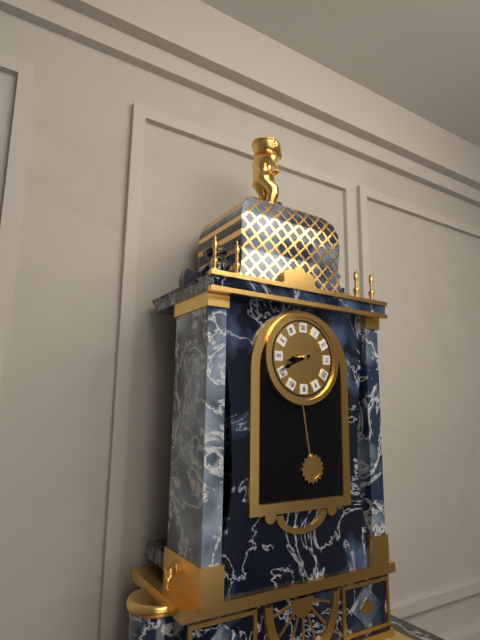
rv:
8 h 41 min
